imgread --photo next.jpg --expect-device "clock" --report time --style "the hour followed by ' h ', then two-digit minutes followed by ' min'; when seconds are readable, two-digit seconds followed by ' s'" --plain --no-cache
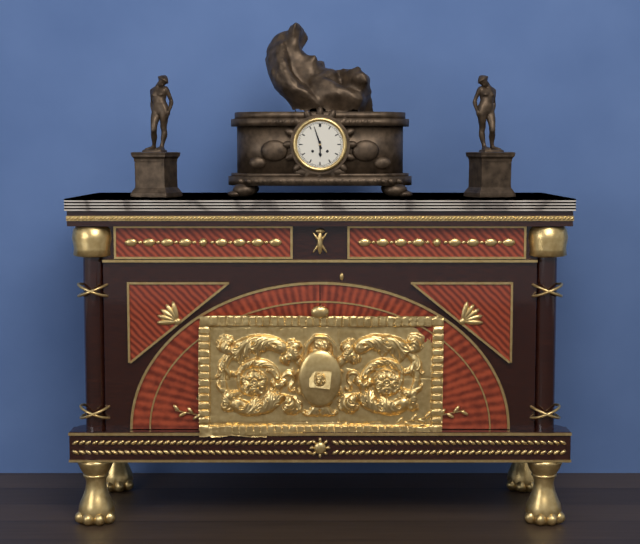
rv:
5 h 57 min
